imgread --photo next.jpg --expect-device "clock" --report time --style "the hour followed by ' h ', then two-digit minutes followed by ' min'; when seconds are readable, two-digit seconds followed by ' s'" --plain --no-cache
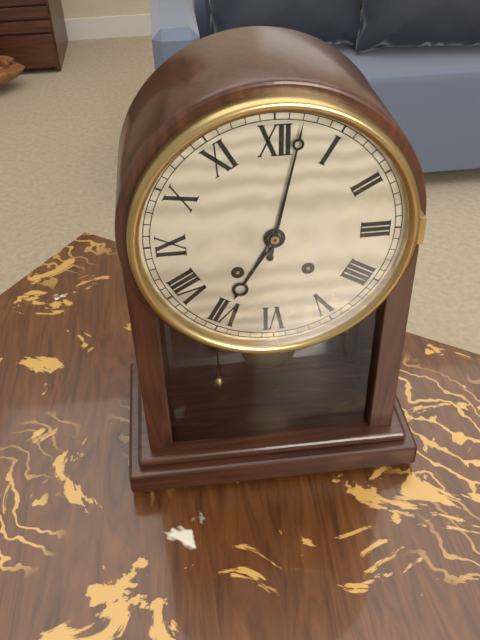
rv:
7 h 02 min
